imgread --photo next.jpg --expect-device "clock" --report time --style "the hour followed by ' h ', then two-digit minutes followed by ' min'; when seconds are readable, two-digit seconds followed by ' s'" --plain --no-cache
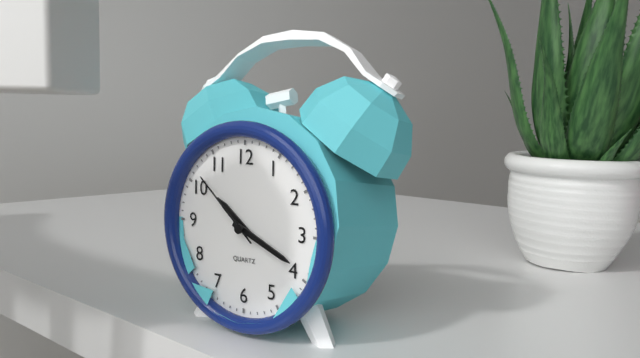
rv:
10 h 19 min 52 s
